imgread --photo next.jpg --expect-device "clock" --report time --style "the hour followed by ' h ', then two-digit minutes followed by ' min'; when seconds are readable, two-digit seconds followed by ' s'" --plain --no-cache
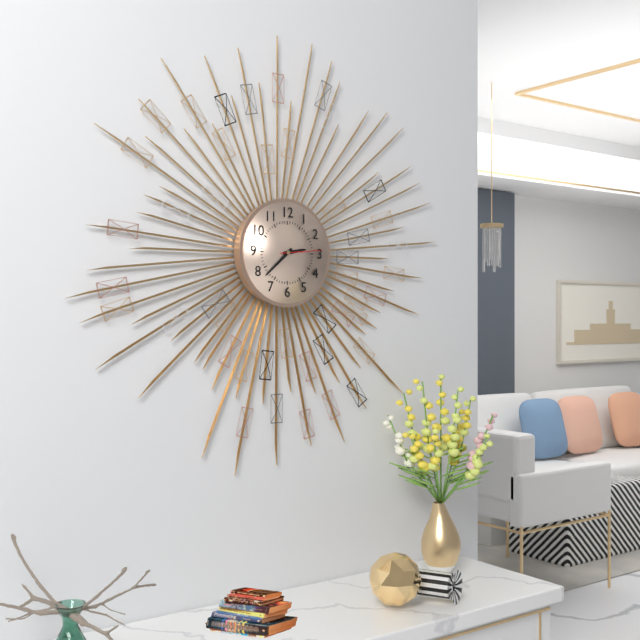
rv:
2 h 38 min
